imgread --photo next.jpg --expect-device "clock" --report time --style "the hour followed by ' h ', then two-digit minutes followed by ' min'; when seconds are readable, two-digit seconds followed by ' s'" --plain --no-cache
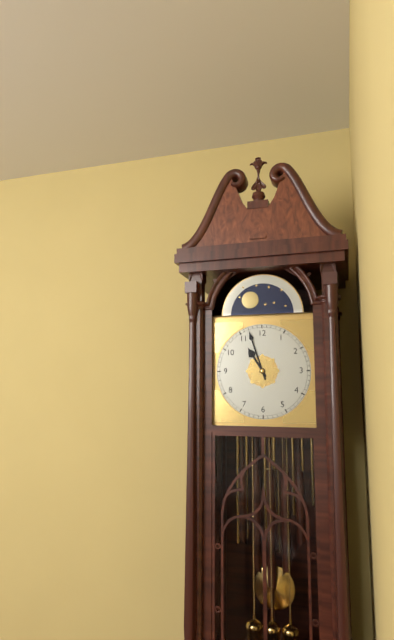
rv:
10 h 57 min
